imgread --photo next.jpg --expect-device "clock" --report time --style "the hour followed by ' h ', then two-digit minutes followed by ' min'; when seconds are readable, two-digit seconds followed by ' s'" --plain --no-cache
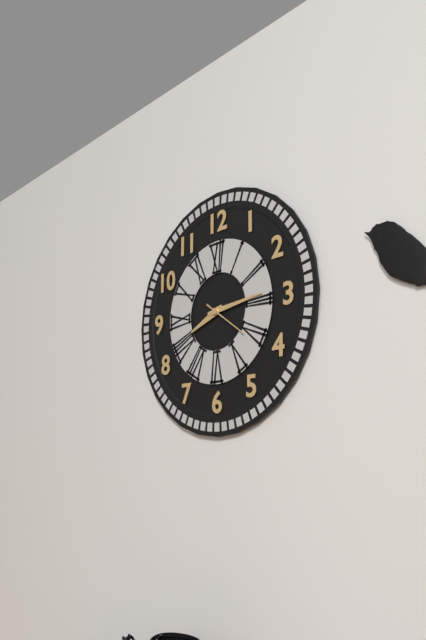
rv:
8 h 14 min
